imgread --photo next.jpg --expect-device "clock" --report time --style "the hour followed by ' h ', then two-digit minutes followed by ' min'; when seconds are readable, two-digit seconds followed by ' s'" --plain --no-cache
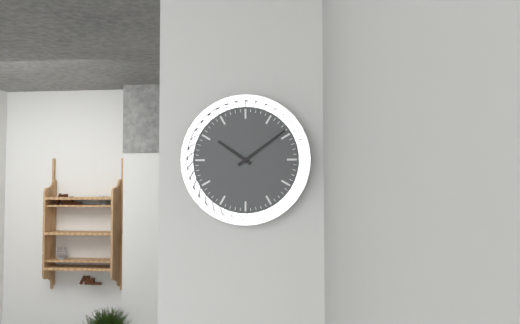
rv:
10 h 09 min
